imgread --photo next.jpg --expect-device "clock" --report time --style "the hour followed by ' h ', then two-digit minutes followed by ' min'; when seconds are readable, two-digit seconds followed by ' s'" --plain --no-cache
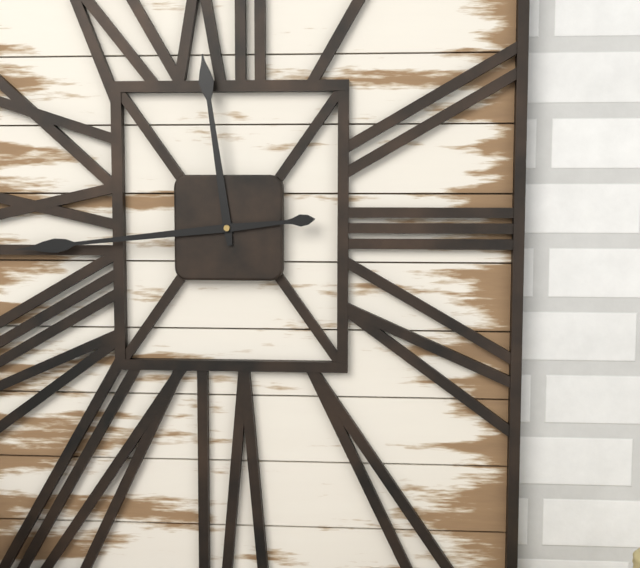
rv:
11 h 44 min
